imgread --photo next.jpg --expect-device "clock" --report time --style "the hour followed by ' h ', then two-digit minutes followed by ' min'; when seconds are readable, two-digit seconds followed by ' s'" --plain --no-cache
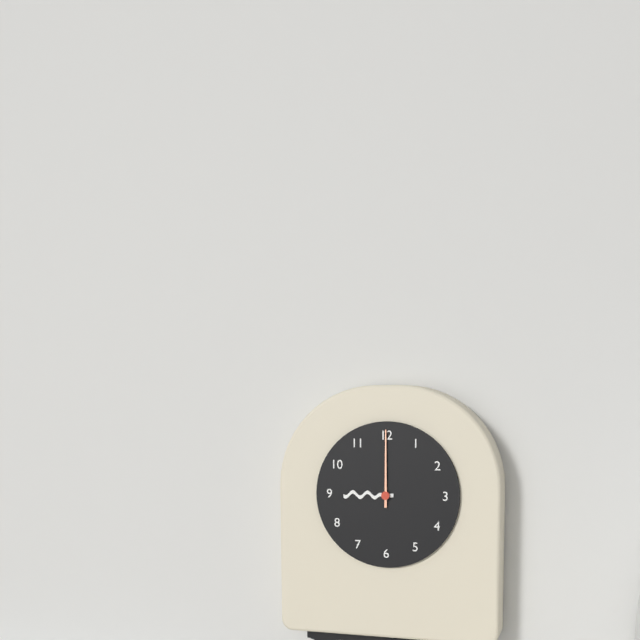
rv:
9 h 00 min
